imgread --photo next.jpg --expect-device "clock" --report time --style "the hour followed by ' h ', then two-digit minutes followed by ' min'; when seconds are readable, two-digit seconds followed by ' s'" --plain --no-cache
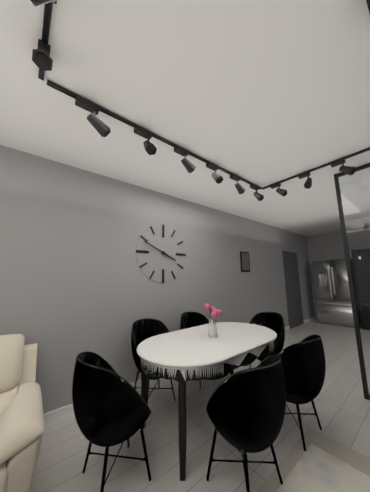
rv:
3 h 49 min
